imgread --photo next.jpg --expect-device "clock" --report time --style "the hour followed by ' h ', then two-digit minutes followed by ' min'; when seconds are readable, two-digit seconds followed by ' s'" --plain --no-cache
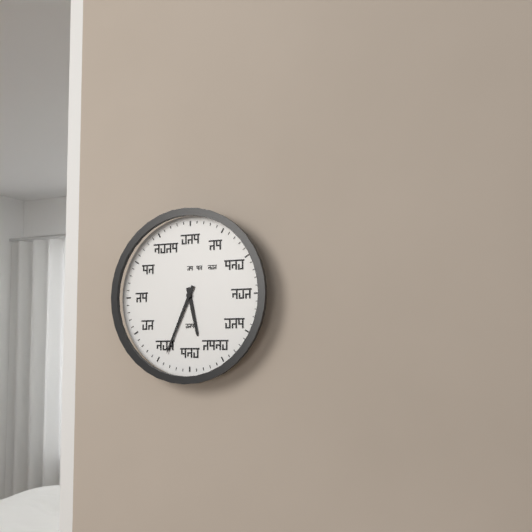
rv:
5 h 34 min
